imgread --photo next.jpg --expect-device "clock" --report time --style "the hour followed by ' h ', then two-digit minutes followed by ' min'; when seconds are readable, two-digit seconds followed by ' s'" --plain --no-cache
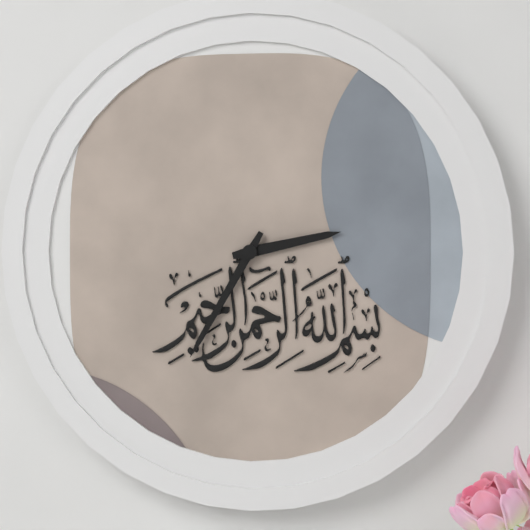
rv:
2 h 35 min
